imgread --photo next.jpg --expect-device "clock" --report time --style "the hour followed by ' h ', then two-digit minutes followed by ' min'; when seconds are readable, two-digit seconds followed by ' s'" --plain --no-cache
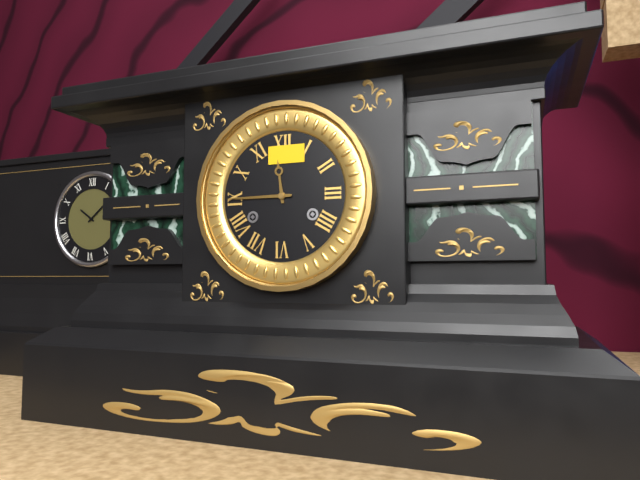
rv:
11 h 45 min
